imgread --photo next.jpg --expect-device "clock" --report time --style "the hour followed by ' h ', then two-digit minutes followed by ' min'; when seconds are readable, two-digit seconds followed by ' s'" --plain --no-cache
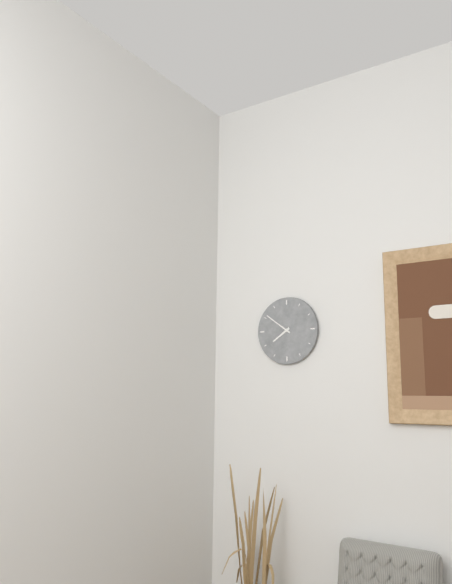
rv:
7 h 51 min
